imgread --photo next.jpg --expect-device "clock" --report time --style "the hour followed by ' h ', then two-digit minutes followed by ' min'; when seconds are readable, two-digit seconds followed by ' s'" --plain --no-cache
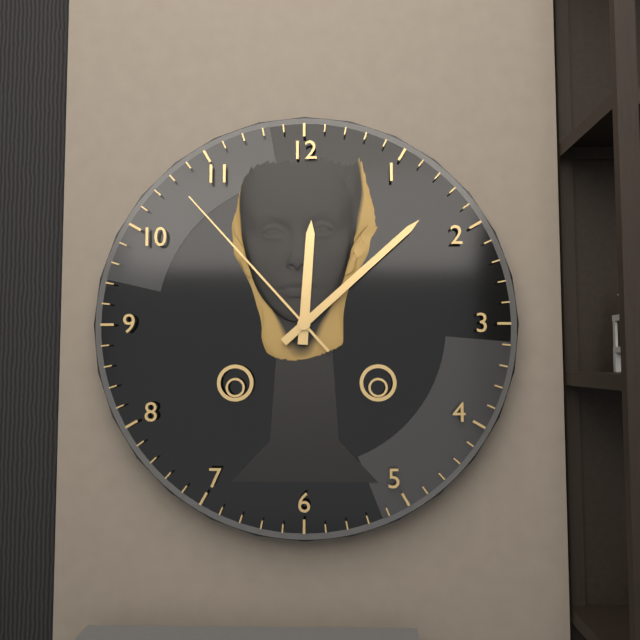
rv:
12 h 08 min 53 s
